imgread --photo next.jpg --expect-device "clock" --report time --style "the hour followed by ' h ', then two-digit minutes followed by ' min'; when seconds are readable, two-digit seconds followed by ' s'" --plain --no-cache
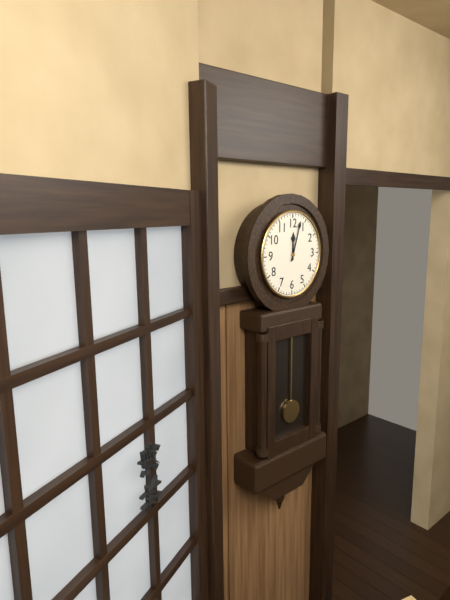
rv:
12 h 03 min
